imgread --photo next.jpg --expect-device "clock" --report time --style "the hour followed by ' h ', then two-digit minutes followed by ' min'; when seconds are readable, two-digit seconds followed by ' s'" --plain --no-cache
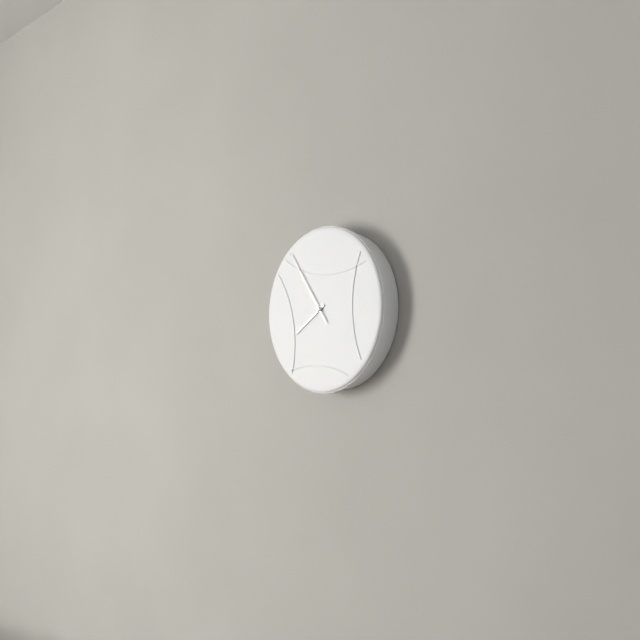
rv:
7 h 54 min
